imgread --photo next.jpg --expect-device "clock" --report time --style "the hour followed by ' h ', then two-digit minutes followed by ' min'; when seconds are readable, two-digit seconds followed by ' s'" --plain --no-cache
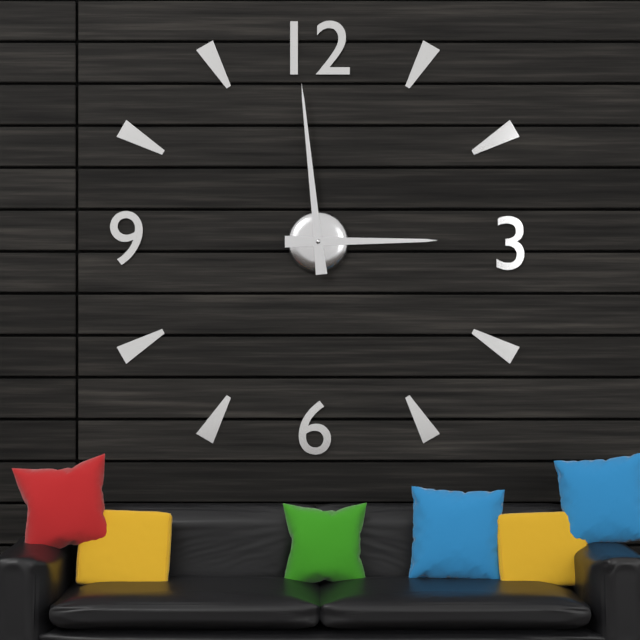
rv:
2 h 59 min
